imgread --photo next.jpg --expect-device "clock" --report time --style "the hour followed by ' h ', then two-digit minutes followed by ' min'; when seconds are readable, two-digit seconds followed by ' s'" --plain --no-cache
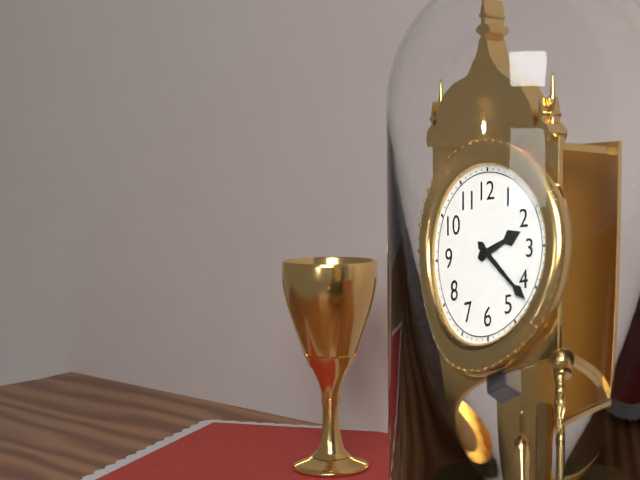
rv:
2 h 22 min
